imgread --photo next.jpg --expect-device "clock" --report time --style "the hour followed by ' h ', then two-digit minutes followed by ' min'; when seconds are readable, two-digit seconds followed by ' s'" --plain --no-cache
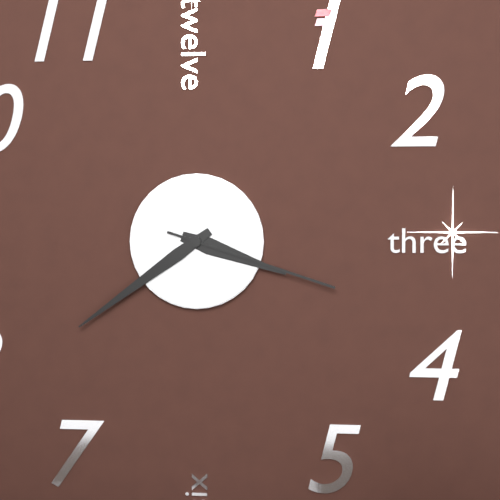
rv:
3 h 39 min 18 s
